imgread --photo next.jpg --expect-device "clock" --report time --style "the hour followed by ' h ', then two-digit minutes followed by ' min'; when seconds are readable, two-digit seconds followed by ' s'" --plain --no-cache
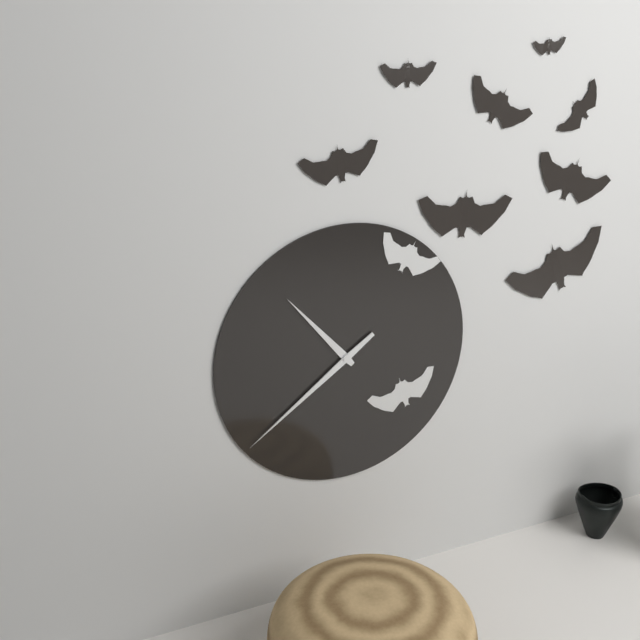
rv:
10 h 39 min
